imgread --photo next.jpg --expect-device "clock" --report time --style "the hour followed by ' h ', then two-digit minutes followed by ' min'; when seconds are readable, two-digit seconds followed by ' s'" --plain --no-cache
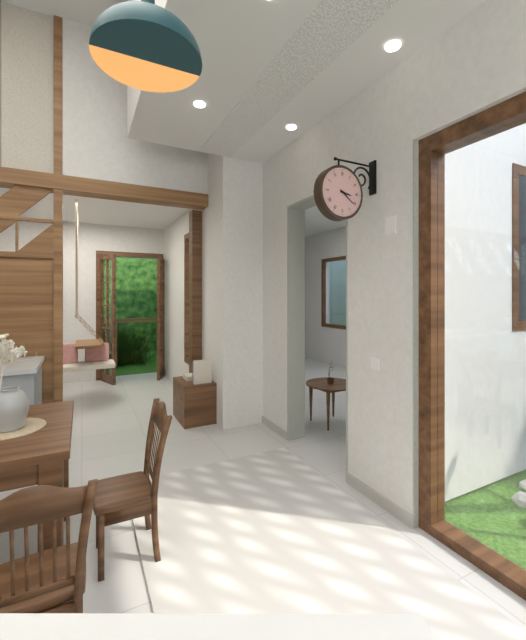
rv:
3 h 21 min
